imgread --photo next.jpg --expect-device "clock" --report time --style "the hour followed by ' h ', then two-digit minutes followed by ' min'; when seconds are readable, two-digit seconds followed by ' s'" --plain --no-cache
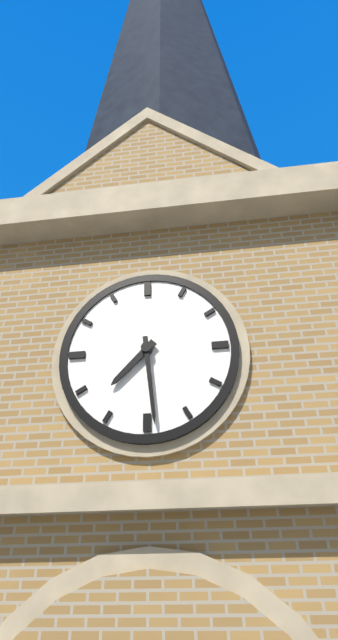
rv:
7 h 29 min
